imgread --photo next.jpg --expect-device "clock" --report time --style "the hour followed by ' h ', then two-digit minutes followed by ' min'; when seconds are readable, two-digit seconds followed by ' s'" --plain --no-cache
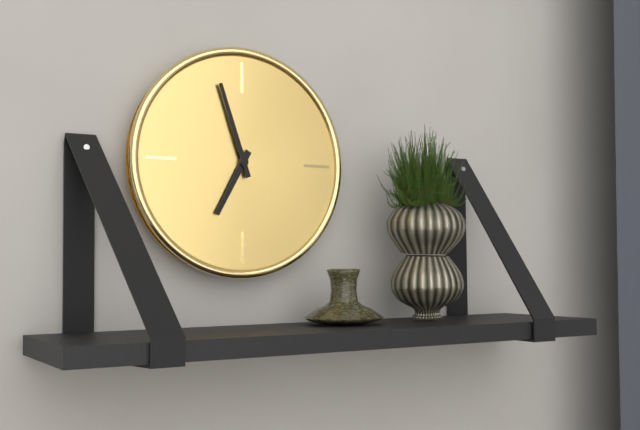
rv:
6 h 57 min
